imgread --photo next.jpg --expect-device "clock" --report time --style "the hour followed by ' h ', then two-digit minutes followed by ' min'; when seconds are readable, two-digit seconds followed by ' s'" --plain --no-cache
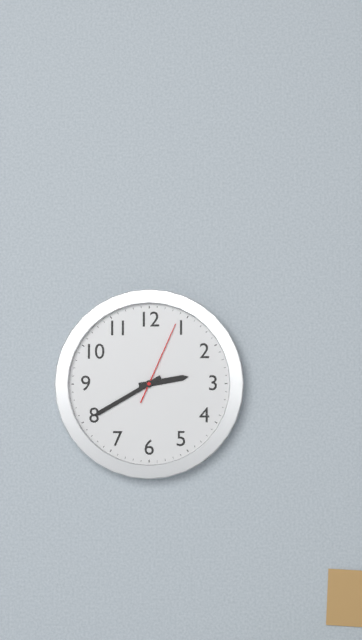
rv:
2 h 40 min 04 s
